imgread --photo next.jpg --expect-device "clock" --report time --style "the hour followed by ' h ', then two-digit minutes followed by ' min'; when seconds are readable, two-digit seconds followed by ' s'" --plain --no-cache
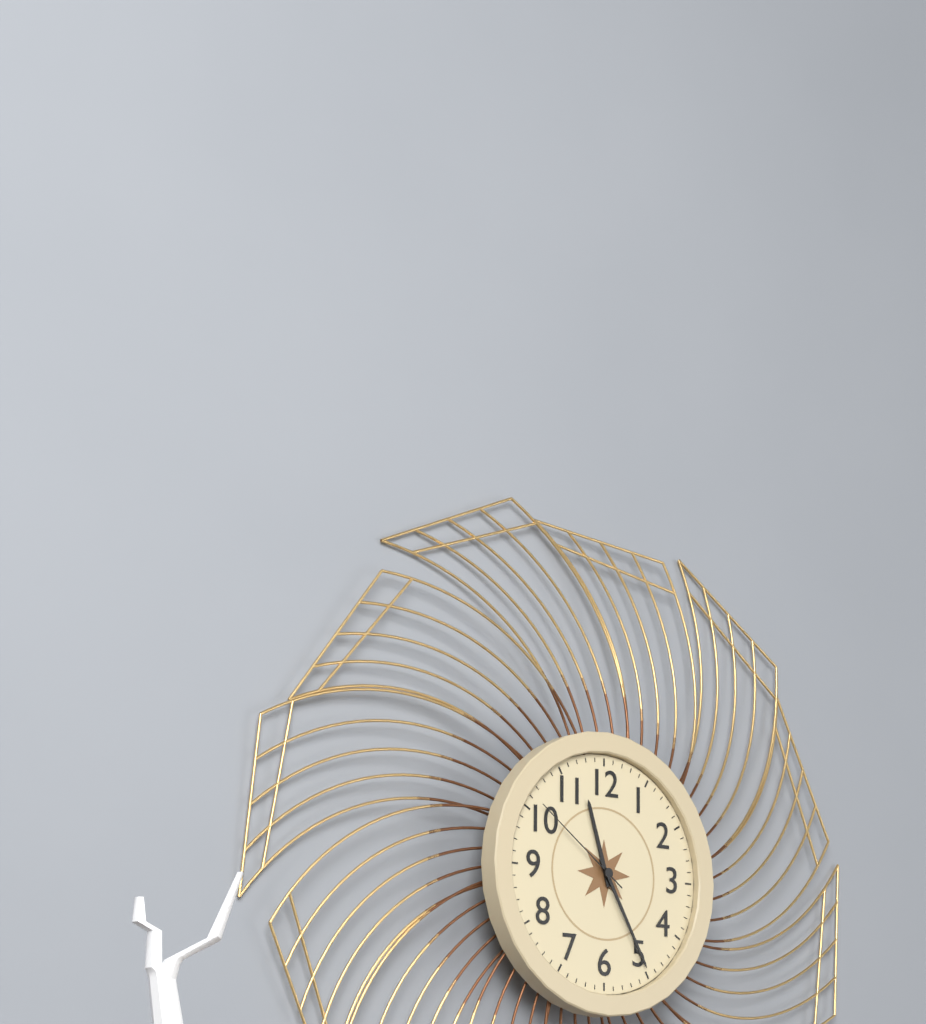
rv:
11 h 25 min 51 s
